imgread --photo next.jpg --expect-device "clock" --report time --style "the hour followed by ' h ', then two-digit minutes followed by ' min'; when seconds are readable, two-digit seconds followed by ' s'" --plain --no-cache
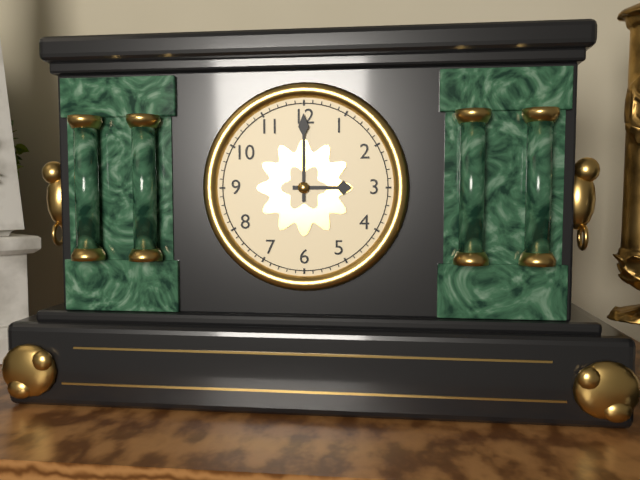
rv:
3 h 00 min
